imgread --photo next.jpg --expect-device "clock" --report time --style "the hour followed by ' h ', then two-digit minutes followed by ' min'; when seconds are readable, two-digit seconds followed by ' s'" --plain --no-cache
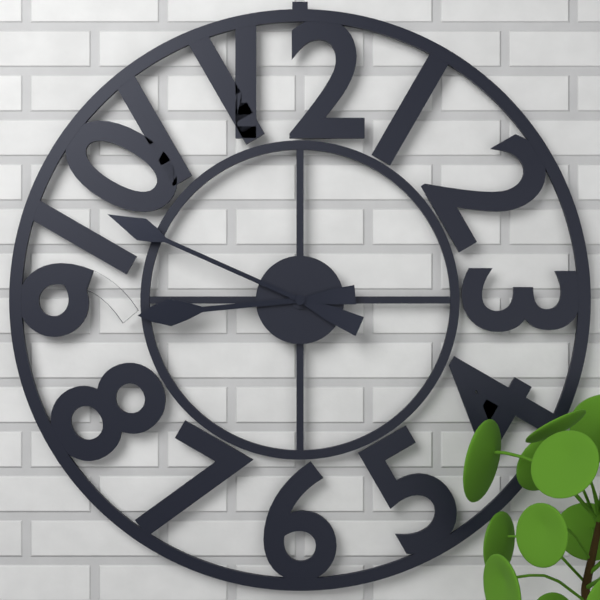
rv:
8 h 49 min
